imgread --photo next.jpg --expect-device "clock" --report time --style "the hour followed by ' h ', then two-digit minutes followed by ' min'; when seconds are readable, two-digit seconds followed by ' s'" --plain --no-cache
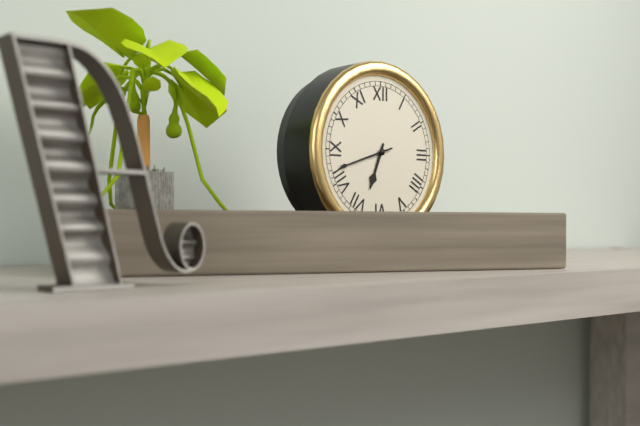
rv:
6 h 42 min
